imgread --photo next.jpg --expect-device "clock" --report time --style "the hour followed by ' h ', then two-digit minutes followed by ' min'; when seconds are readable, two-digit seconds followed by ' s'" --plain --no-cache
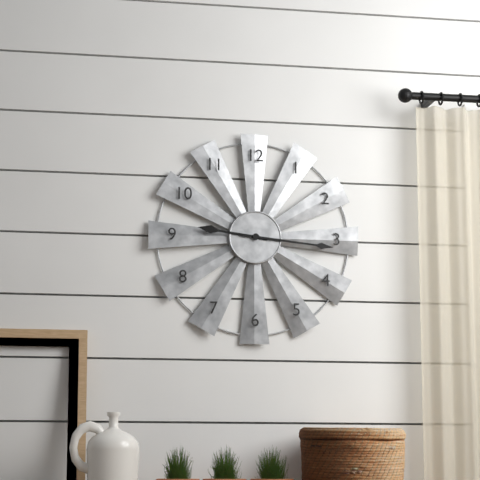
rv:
9 h 16 min
